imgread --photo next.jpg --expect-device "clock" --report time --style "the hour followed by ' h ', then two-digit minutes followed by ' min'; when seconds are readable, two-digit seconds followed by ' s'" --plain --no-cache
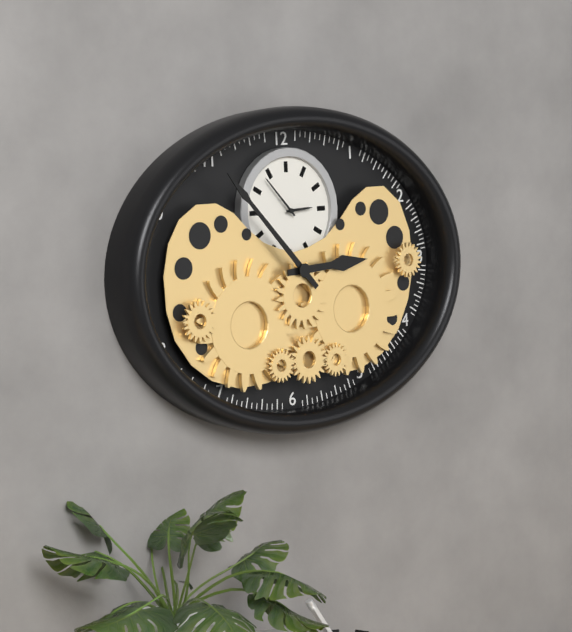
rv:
2 h 53 min
